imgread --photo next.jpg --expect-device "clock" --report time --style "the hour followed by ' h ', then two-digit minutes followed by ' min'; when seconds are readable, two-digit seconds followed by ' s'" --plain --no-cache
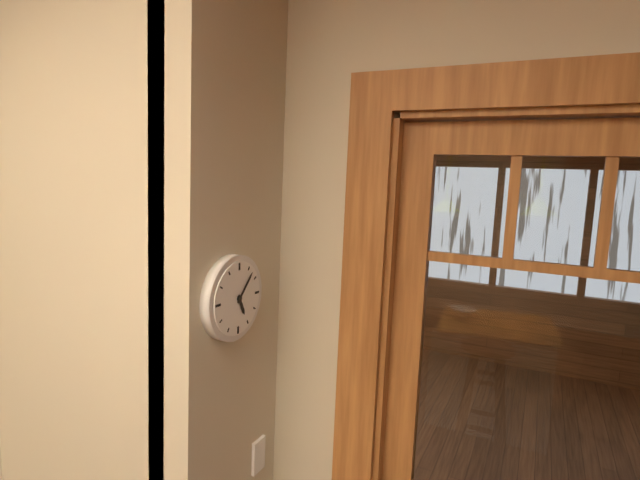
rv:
5 h 07 min
